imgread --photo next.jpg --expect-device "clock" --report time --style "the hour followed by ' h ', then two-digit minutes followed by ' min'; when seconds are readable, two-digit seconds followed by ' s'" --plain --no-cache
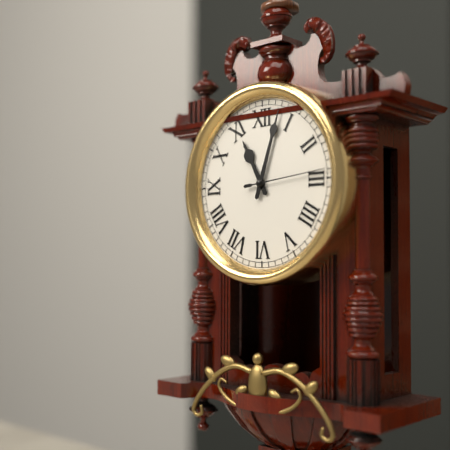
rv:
11 h 03 min 14 s
